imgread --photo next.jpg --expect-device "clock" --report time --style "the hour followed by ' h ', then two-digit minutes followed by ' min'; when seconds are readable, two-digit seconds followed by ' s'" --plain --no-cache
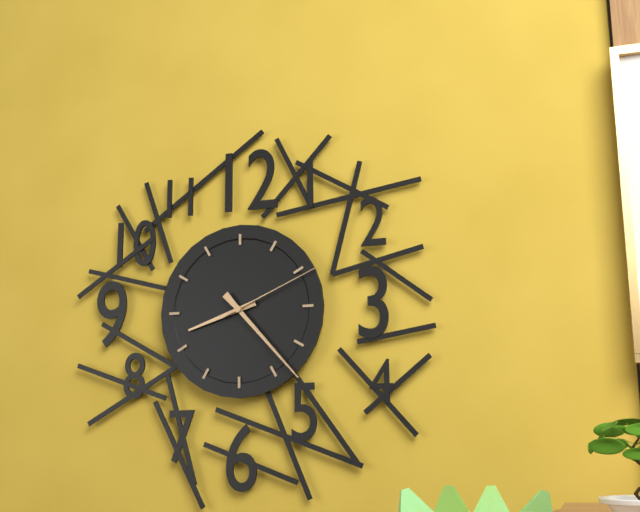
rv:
8 h 23 min 11 s
